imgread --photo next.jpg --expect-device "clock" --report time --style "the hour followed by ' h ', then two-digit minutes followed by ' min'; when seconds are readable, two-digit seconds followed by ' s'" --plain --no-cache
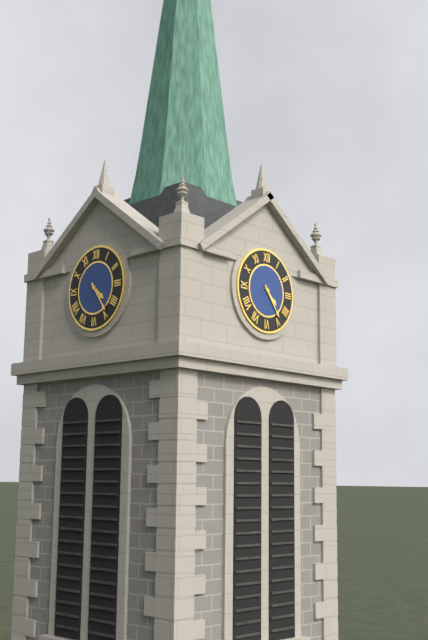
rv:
4 h 24 min
